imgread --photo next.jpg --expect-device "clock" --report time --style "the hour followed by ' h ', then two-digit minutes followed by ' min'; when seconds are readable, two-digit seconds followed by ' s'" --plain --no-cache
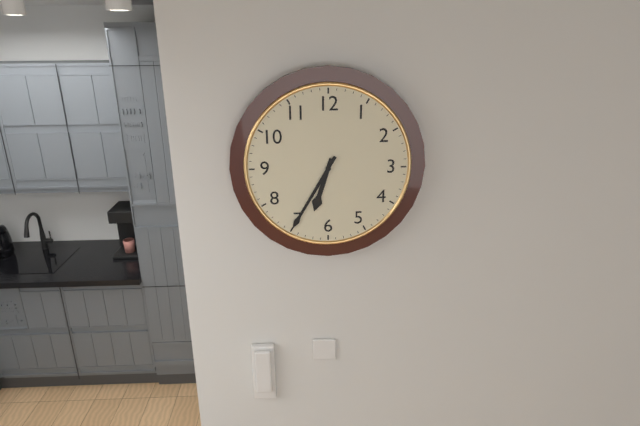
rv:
6 h 35 min
